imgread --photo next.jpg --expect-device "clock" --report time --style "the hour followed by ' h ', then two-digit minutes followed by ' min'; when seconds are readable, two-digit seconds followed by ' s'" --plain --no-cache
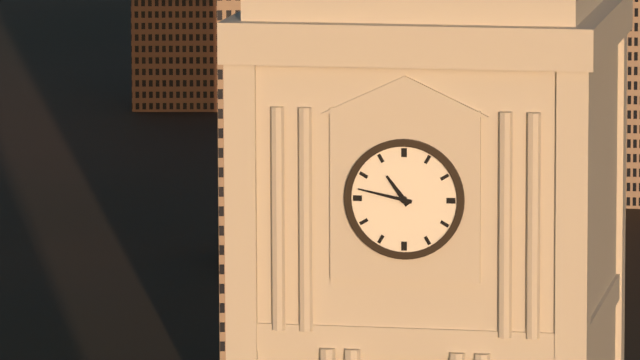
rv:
10 h 47 min
